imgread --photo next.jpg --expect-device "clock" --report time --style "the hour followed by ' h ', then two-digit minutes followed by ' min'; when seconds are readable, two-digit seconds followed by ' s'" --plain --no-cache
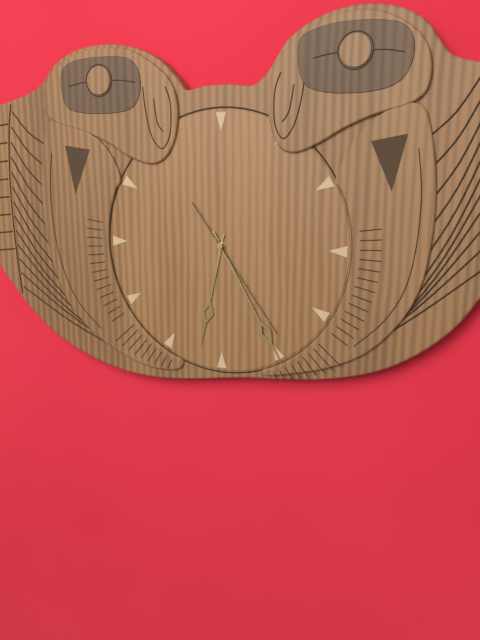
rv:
6 h 25 min 24 s
